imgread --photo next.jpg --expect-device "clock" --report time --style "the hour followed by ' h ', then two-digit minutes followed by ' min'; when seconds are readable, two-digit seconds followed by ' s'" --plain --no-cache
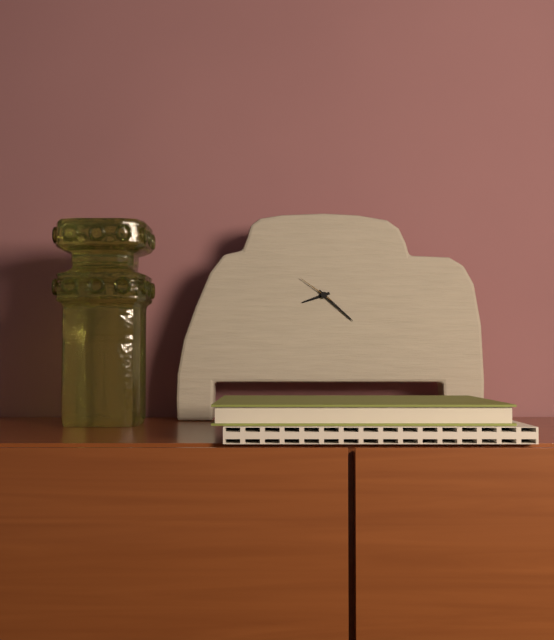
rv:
8 h 22 min
